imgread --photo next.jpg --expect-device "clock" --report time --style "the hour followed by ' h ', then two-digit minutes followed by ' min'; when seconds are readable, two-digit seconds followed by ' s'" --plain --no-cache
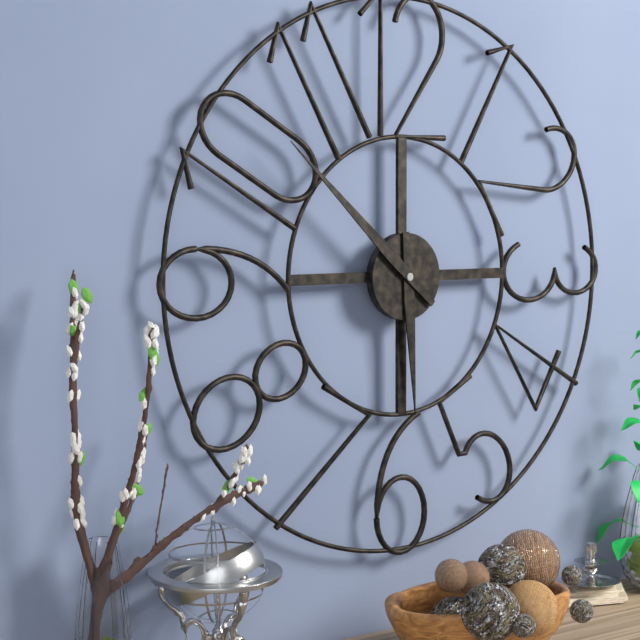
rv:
5 h 52 min
